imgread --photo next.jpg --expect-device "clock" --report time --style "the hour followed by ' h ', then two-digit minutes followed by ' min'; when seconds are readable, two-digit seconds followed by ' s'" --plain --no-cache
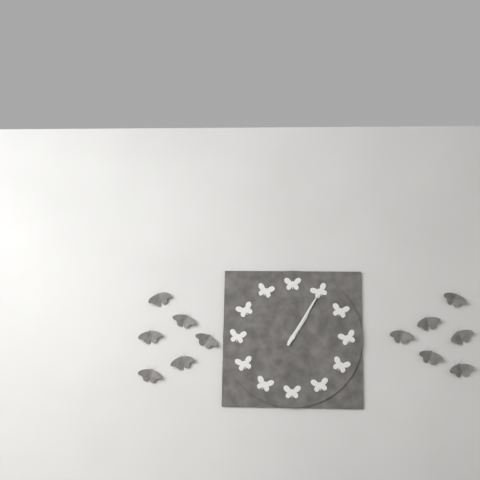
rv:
1 h 05 min
